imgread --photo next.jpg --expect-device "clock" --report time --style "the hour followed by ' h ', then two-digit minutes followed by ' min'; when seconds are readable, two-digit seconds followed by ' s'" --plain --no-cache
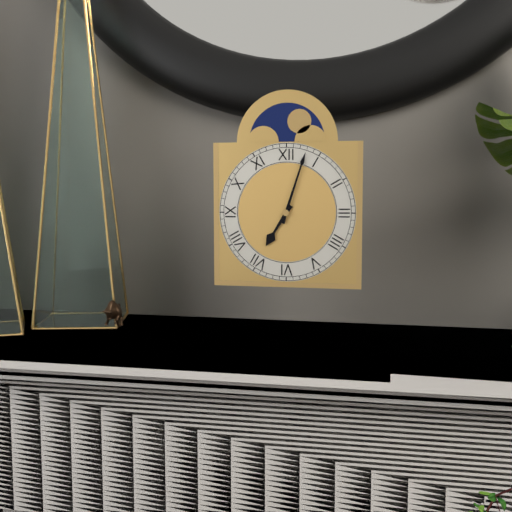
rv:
7 h 03 min
